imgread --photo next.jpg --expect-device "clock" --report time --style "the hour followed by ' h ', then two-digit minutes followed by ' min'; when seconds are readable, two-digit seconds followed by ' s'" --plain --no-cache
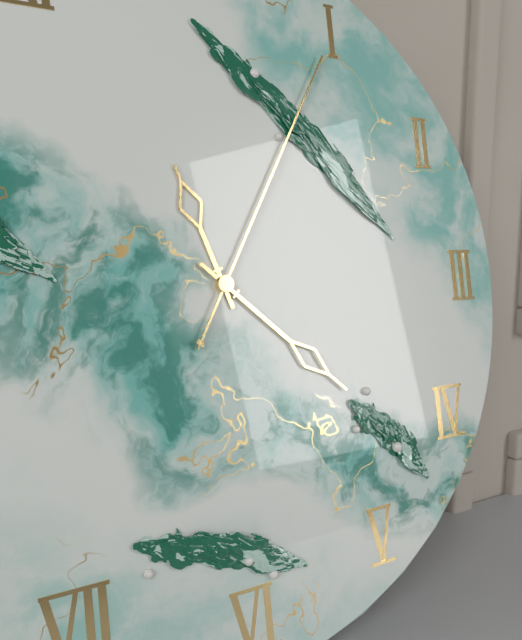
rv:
11 h 22 min 05 s
